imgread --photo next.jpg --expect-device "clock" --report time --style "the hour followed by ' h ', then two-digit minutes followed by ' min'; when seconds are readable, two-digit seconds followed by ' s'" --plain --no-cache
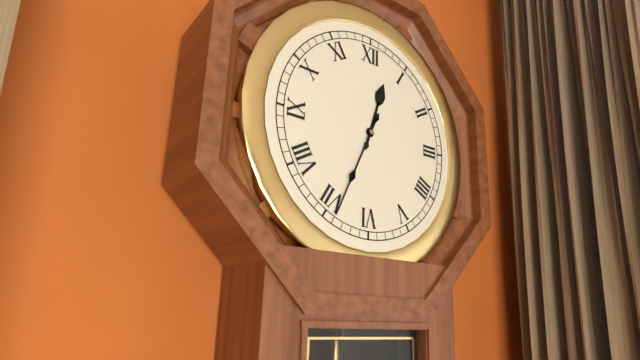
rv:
12 h 34 min
